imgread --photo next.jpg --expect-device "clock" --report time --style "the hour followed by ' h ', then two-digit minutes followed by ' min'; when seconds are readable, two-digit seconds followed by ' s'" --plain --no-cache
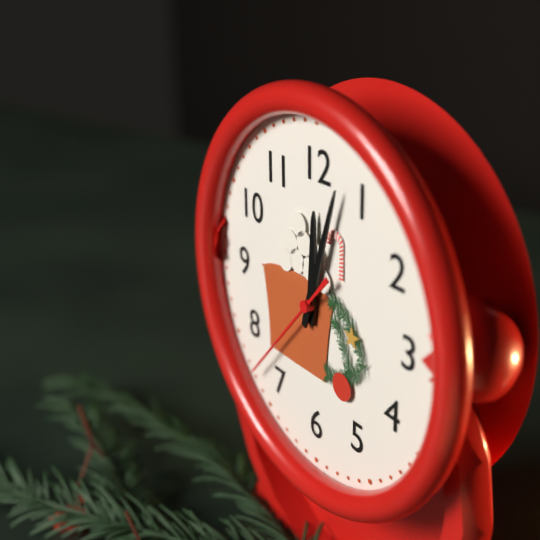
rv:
12 h 03 min 37 s
